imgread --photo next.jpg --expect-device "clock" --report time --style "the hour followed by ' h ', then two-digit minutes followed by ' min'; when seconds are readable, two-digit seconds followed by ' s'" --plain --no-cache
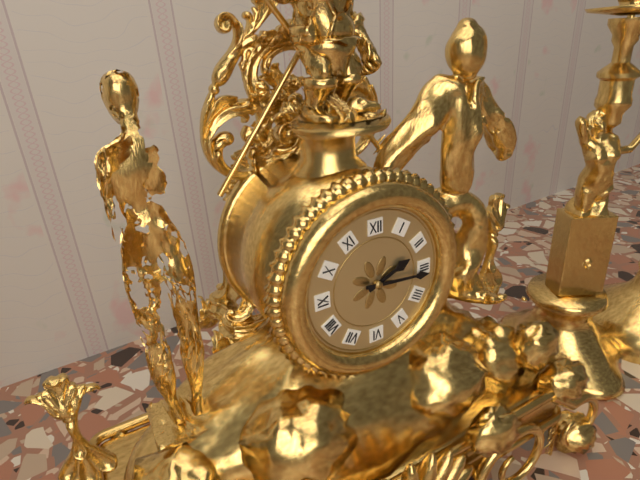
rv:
2 h 16 min
